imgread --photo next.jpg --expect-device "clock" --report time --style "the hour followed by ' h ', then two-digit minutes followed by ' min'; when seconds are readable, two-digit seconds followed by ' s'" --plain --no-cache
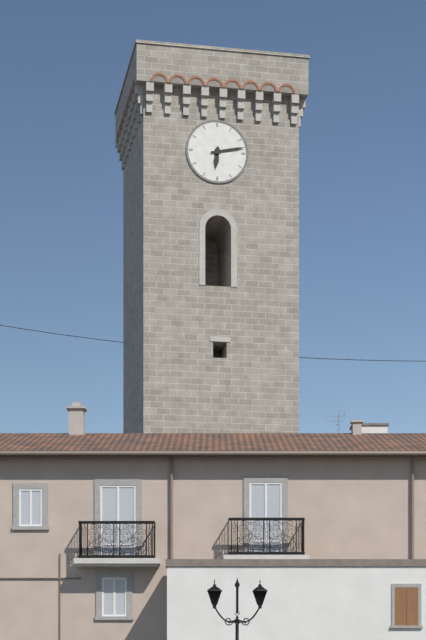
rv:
6 h 13 min
